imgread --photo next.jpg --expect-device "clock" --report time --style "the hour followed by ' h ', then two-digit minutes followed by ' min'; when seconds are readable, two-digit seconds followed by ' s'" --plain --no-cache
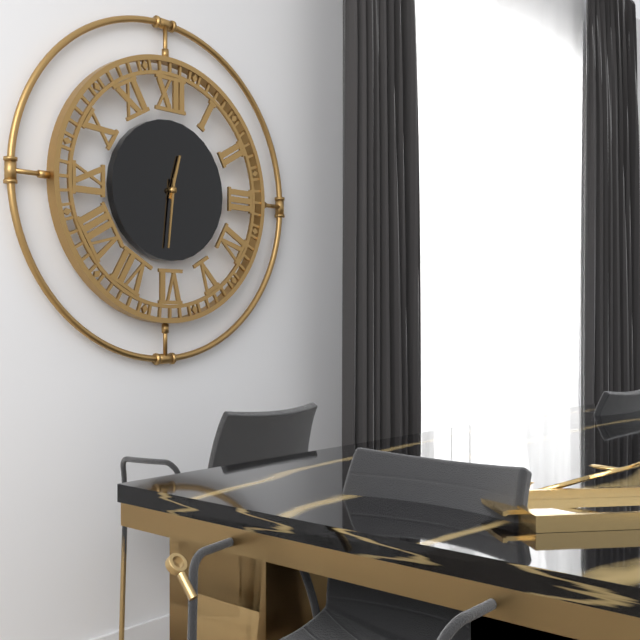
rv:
12 h 31 min
